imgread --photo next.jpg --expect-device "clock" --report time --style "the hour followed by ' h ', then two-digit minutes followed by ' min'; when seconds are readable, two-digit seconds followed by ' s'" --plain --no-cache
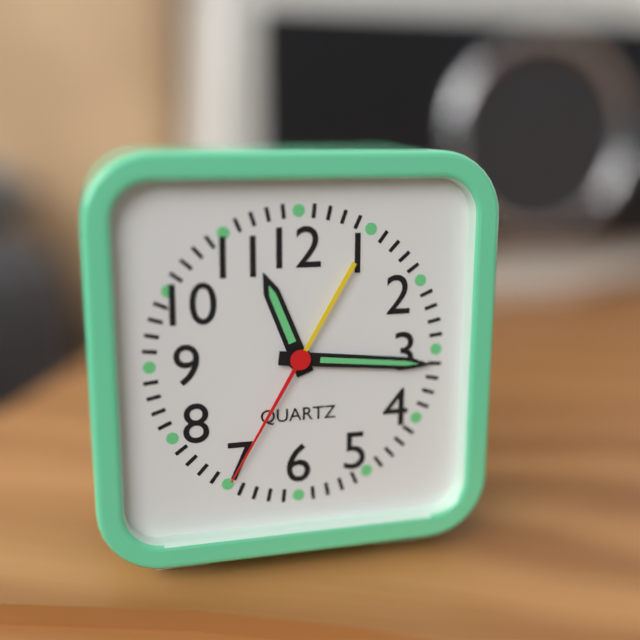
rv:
11 h 16 min 35 s
